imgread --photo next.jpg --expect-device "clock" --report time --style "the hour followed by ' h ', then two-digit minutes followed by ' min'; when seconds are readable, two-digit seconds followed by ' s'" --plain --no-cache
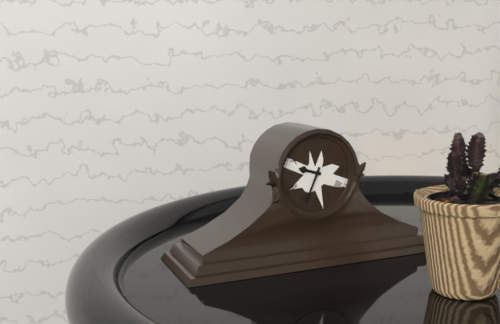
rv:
9 h 34 min
